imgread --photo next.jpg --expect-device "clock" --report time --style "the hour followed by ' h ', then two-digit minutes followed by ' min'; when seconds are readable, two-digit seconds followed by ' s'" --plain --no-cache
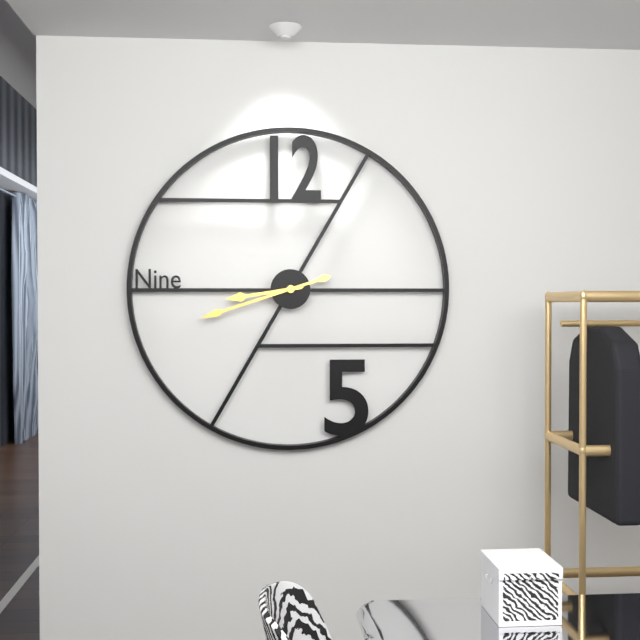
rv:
8 h 42 min
